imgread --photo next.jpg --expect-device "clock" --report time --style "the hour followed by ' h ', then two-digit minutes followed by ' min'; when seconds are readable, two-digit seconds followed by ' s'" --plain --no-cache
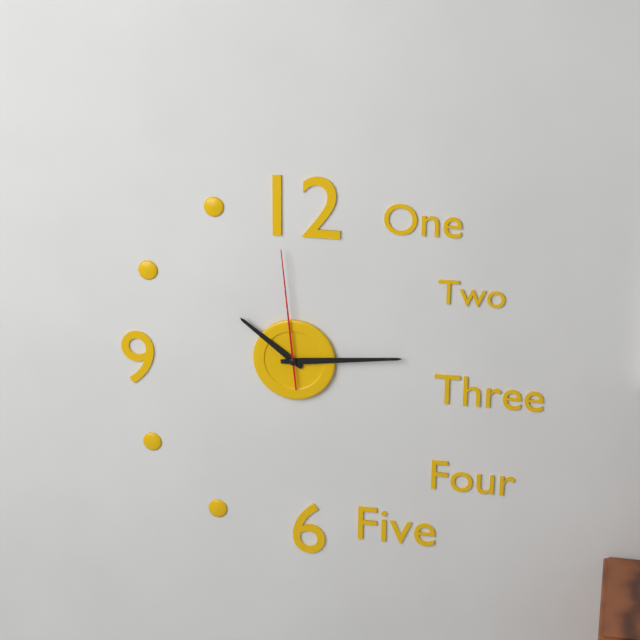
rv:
10 h 14 min 59 s
